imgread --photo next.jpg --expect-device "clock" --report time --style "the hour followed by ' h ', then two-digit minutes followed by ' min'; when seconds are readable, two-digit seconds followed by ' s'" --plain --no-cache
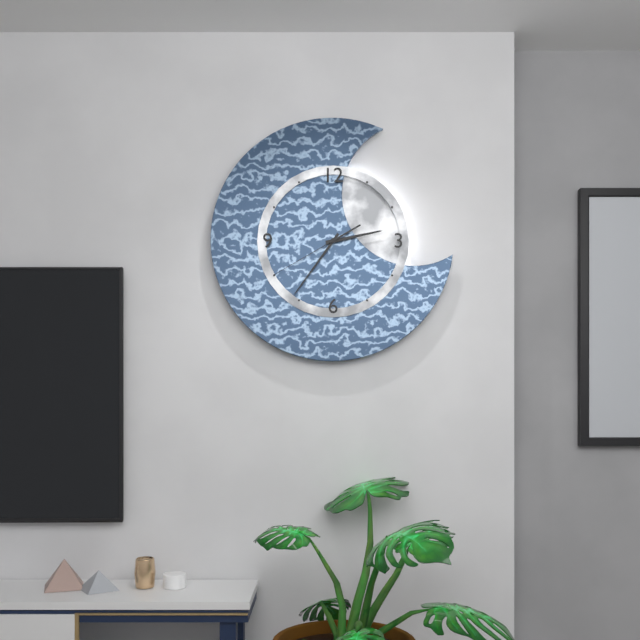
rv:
2 h 36 min 40 s
